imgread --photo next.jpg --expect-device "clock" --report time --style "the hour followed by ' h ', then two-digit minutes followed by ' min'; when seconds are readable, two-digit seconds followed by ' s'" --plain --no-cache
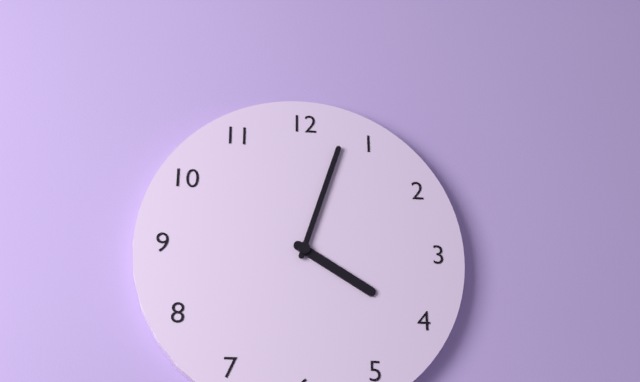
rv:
4 h 03 min
